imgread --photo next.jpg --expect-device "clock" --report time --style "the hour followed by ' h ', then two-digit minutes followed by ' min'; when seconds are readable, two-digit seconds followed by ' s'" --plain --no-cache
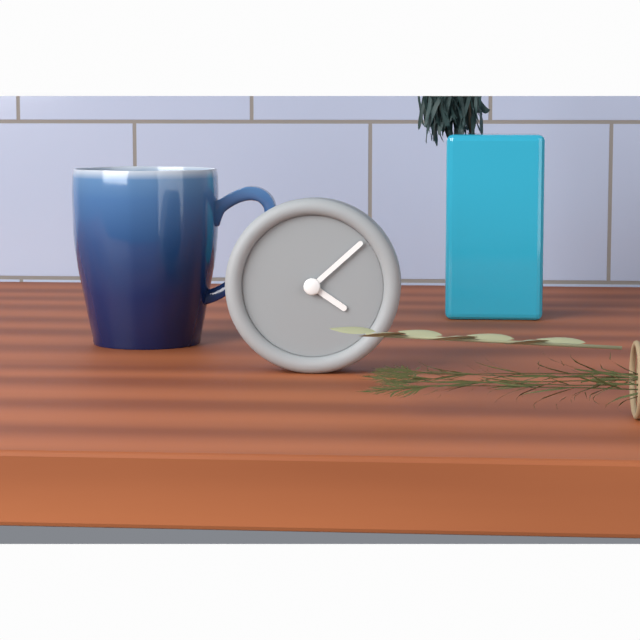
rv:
4 h 08 min
